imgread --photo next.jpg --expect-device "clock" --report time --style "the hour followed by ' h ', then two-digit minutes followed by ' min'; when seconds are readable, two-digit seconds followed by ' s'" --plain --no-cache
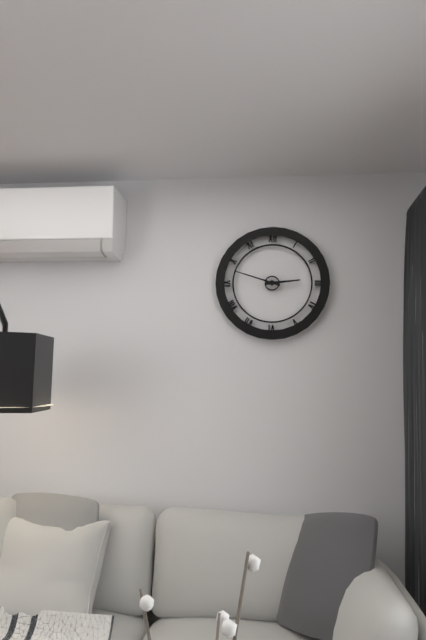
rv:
2 h 48 min
